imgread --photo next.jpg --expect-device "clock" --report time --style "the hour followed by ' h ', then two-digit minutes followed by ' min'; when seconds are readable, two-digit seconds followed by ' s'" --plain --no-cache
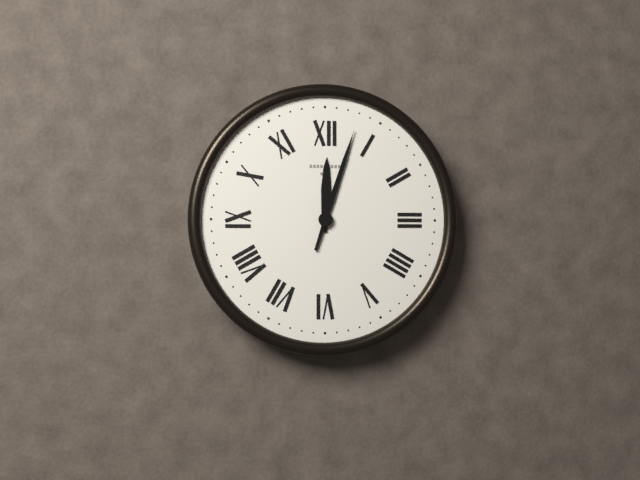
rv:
12 h 03 min
